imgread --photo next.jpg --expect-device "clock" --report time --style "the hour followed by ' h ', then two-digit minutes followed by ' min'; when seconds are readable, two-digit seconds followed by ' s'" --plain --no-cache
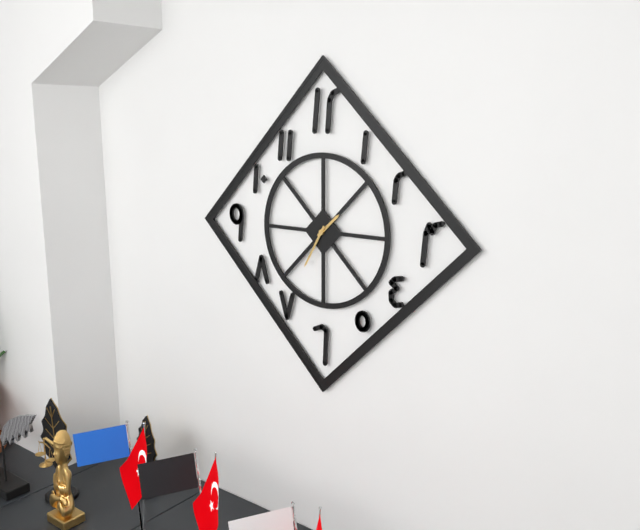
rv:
1 h 35 min
